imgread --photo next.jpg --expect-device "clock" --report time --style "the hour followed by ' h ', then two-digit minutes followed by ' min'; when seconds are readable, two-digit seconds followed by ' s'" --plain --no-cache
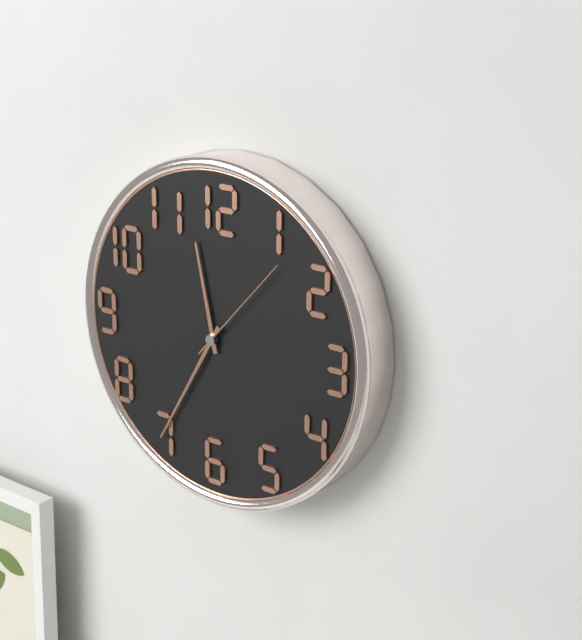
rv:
11 h 35 min 07 s
